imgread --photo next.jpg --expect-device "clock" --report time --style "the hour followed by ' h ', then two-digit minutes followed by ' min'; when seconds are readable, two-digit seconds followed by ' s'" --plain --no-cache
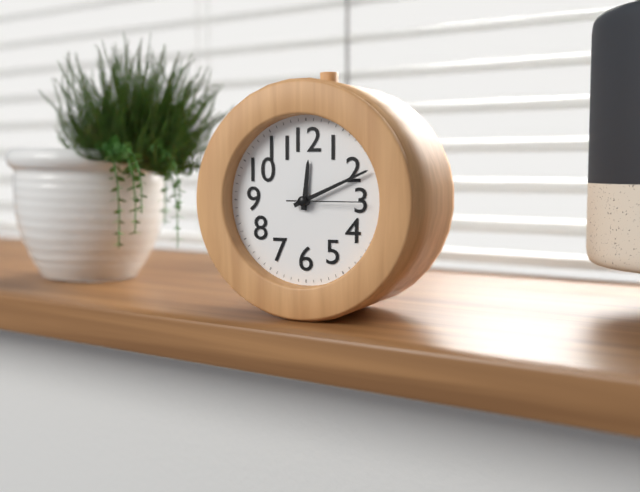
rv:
12 h 11 min 15 s
